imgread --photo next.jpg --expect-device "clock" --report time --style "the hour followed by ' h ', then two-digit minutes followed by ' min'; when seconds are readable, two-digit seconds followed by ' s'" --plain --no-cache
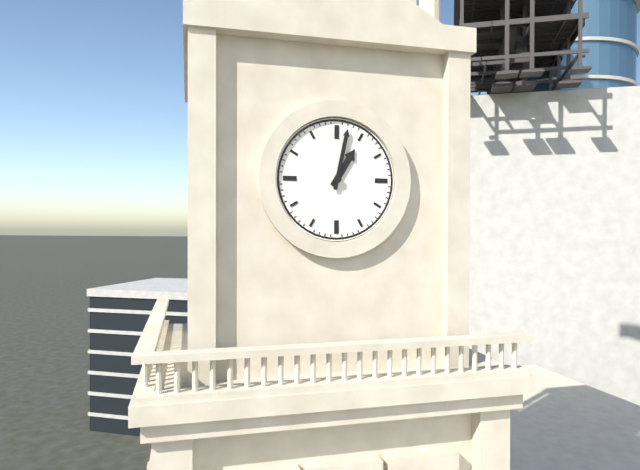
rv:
1 h 02 min
